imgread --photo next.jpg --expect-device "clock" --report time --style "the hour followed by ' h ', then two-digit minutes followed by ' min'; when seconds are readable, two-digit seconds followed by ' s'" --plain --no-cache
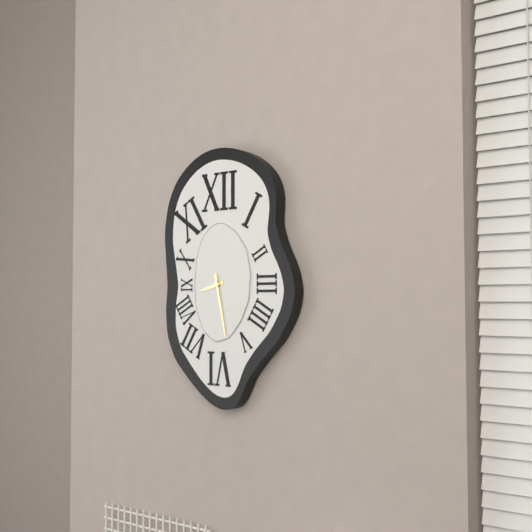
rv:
8 h 28 min
